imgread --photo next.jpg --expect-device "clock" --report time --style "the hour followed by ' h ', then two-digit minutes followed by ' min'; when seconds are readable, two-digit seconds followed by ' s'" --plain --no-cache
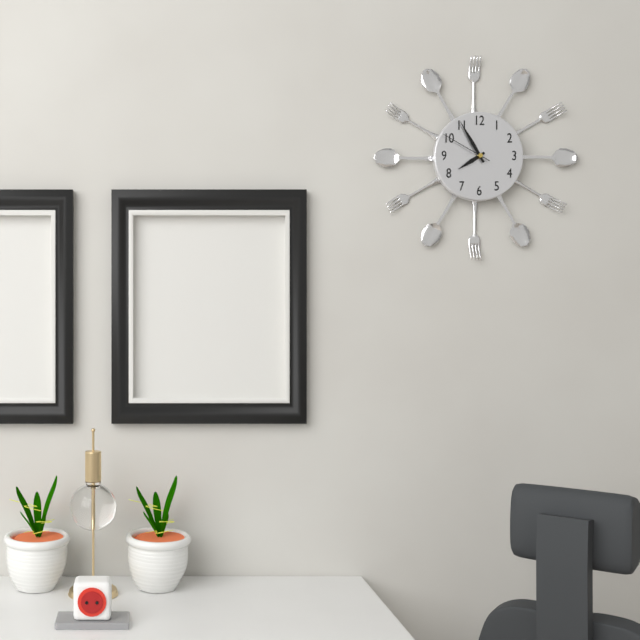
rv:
7 h 55 min 50 s
